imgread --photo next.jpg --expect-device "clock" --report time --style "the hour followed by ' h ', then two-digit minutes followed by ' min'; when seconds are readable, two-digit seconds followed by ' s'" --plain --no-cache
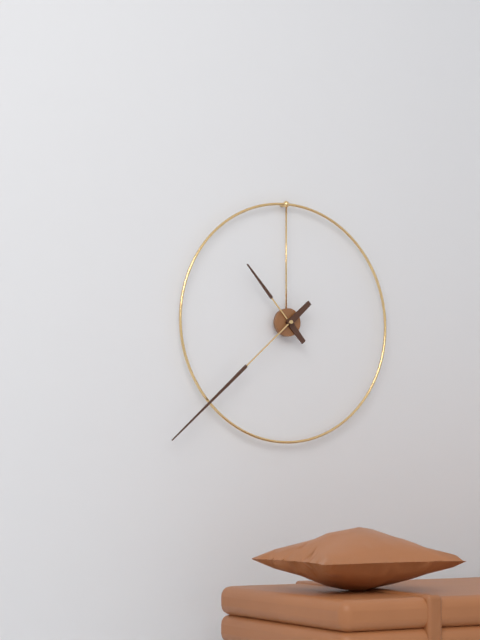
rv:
10 h 38 min
